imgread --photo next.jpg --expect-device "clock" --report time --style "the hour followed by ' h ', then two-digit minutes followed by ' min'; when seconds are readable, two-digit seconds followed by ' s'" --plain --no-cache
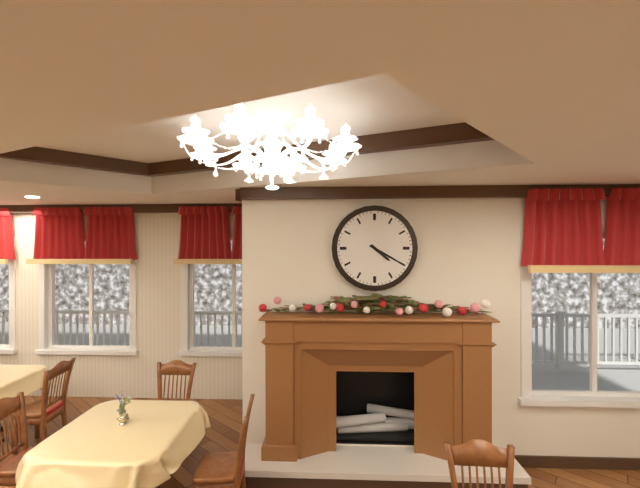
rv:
4 h 20 min
